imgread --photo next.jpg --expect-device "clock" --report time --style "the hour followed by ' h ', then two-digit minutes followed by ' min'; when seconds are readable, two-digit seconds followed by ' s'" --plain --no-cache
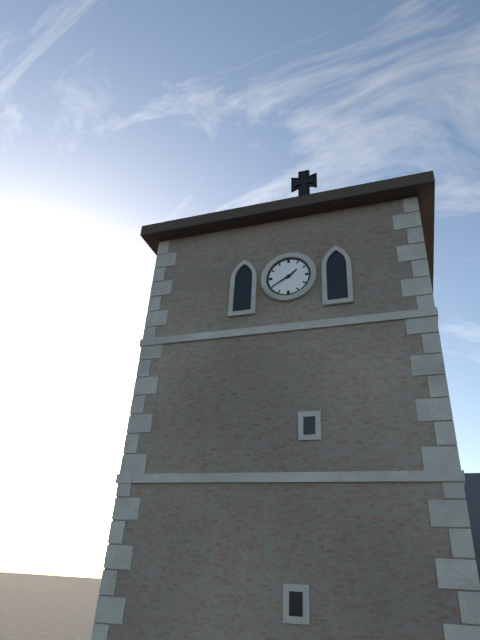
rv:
1 h 40 min
